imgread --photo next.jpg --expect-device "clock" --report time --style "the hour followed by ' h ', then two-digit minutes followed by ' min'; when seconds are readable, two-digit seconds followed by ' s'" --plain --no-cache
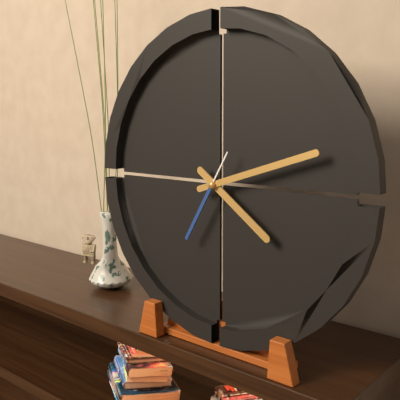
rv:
4 h 12 min 35 s
